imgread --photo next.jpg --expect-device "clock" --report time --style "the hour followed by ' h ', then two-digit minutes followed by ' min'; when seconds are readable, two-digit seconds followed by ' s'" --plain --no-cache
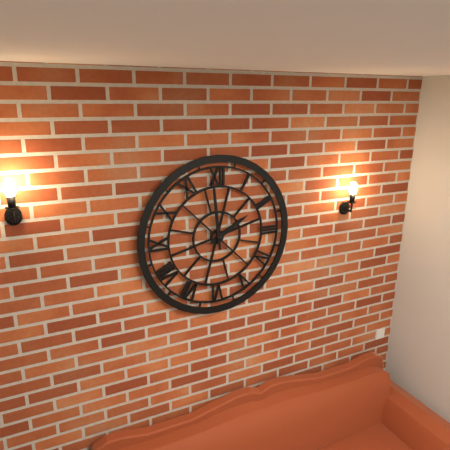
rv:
1 h 59 min
